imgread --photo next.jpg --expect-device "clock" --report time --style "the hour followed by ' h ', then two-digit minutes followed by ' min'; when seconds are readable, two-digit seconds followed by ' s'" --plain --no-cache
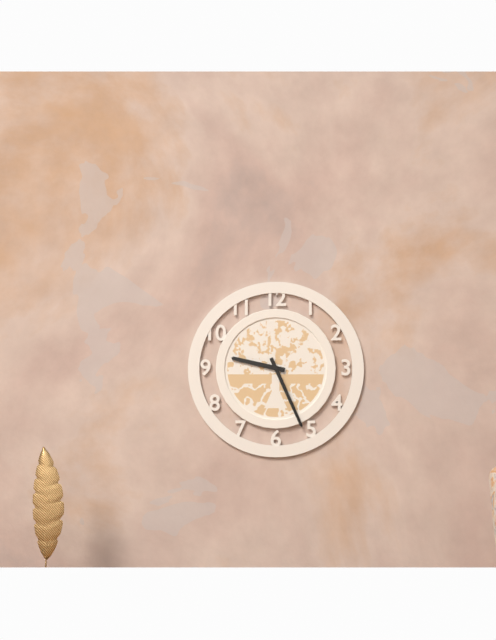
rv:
9 h 26 min
